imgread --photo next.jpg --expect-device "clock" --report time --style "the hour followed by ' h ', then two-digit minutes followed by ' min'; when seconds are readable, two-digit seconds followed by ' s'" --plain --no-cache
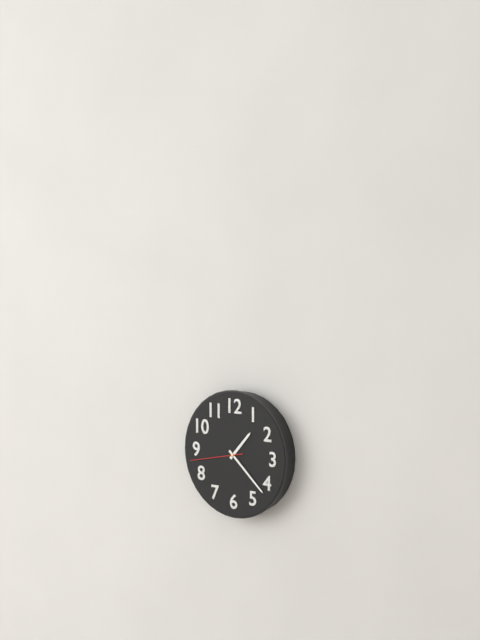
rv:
1 h 22 min 43 s
